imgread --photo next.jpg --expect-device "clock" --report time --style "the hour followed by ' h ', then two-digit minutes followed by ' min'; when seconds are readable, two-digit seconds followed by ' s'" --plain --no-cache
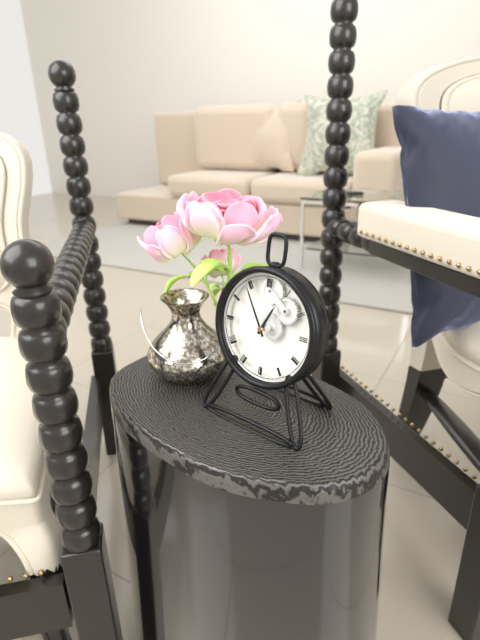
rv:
12 h 55 min
